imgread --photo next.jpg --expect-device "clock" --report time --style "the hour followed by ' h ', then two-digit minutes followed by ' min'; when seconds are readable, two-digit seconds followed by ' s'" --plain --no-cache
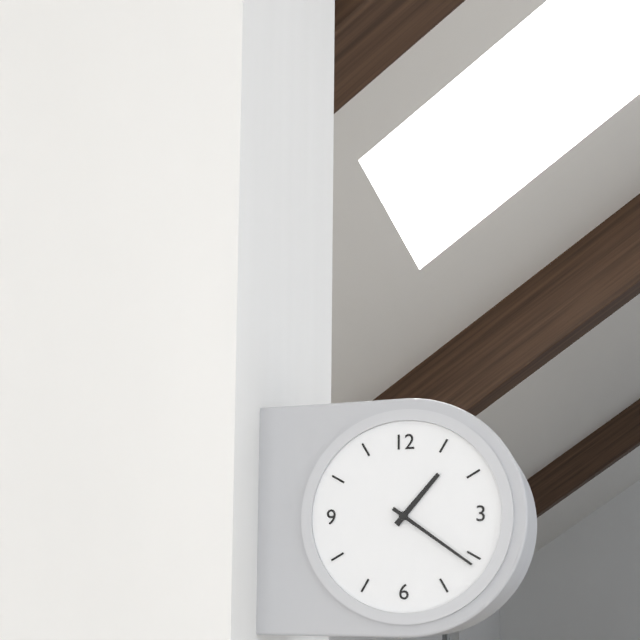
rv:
1 h 21 min
